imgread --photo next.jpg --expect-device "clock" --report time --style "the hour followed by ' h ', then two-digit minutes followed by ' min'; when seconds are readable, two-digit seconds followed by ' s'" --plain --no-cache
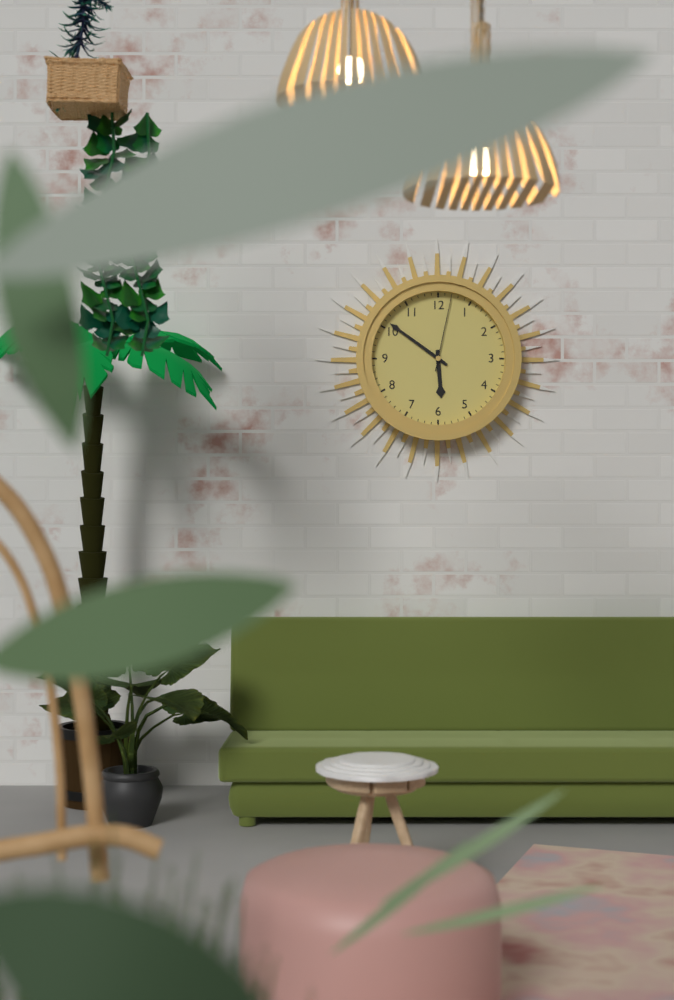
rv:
5 h 51 min 02 s
